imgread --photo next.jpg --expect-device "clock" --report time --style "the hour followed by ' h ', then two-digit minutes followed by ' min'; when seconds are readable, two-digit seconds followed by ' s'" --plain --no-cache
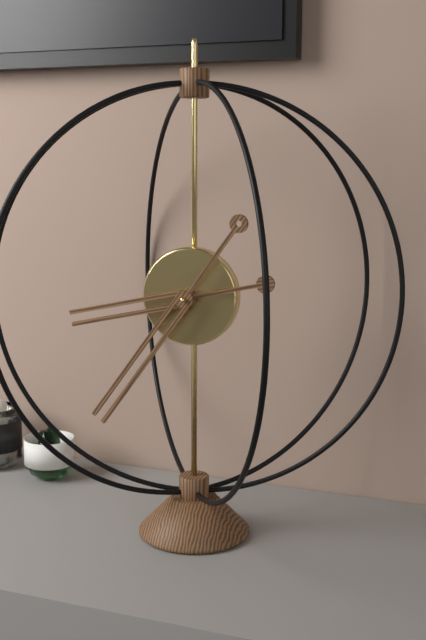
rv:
8 h 36 min
